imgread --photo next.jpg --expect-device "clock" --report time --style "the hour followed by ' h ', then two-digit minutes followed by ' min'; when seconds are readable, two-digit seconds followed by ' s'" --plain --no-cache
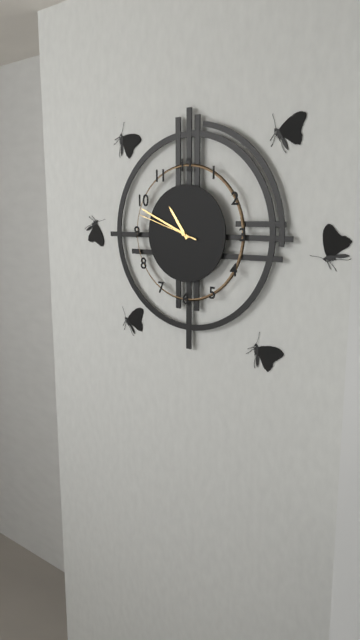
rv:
10 h 49 min 48 s
